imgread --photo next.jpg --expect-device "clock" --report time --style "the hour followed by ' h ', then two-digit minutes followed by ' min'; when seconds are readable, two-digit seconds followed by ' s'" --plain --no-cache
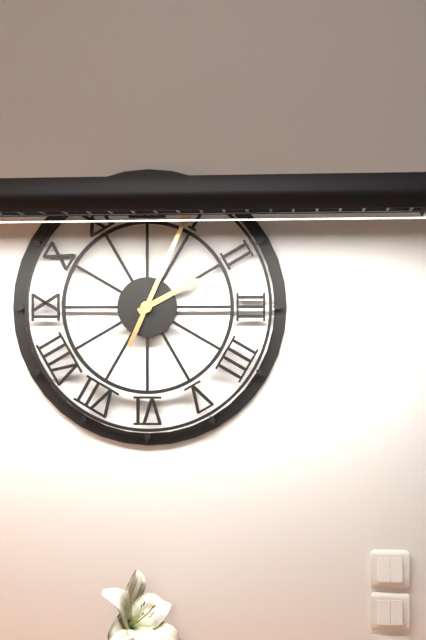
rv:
2 h 04 min
